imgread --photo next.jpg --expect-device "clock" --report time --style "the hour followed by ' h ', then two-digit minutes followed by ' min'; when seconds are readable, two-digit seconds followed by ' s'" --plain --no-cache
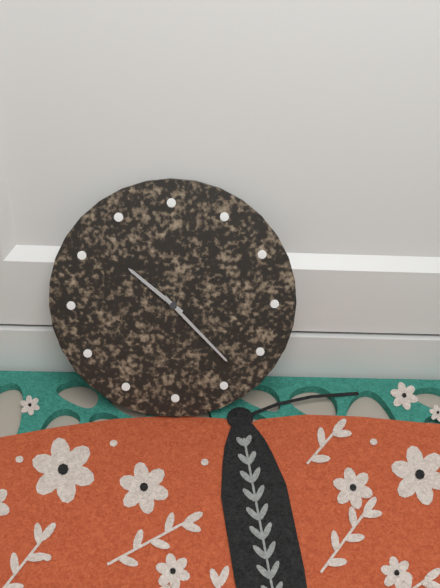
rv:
10 h 23 min
